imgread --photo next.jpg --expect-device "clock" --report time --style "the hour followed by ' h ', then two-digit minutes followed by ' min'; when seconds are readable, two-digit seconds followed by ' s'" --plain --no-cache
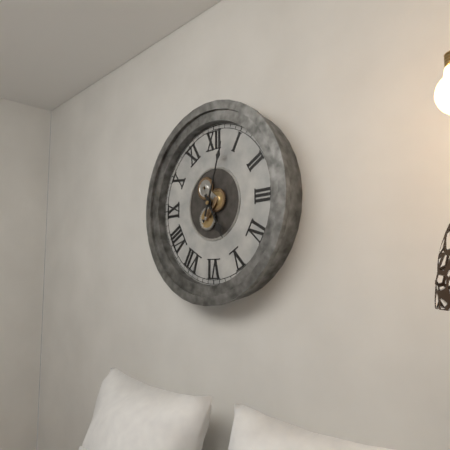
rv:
5 h 03 min
